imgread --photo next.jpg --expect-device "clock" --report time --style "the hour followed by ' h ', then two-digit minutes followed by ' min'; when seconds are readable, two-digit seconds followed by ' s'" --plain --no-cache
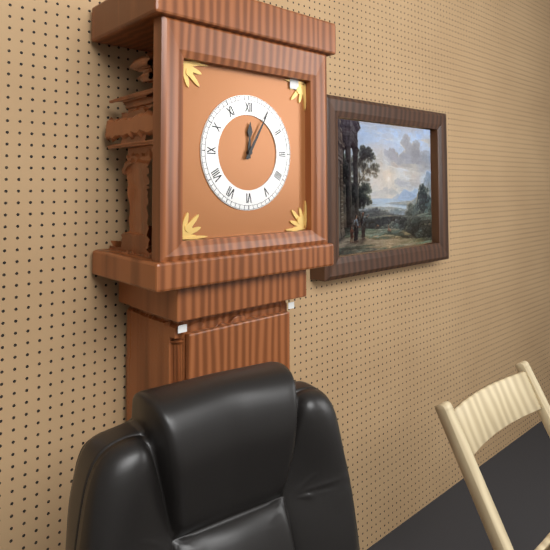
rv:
12 h 05 min
